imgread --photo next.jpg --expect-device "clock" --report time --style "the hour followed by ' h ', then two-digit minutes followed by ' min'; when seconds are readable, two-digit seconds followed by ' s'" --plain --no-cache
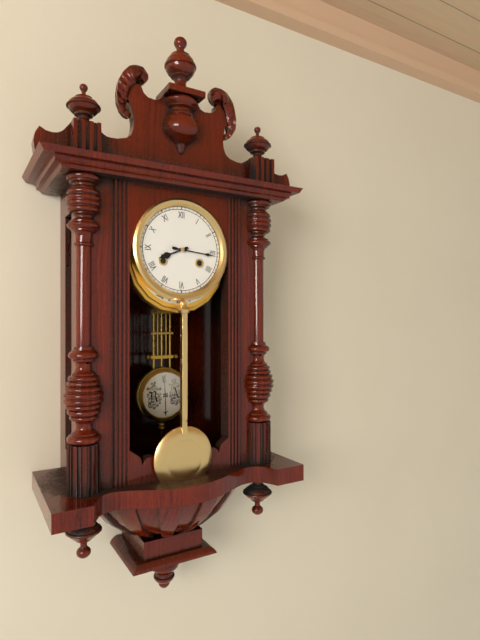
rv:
8 h 16 min
